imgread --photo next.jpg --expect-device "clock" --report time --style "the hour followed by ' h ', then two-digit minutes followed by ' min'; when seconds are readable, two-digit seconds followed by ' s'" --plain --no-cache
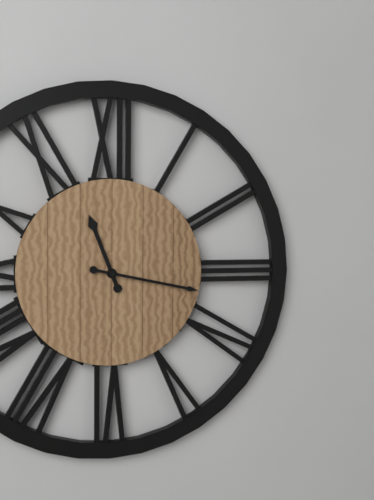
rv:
11 h 17 min
